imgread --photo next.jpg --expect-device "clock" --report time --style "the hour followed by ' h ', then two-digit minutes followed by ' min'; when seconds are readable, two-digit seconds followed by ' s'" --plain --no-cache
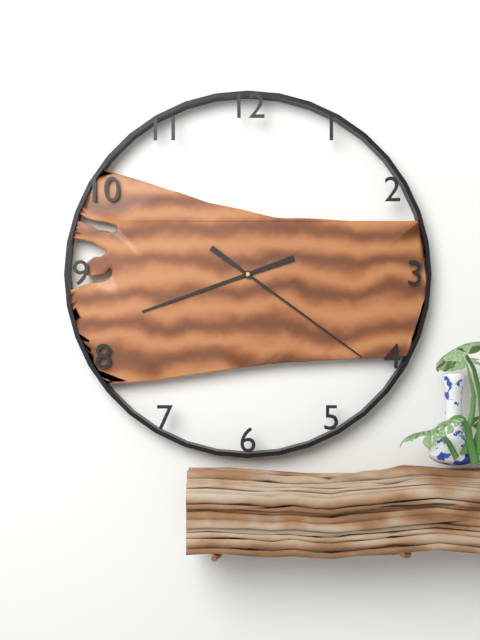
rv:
8 h 21 min
